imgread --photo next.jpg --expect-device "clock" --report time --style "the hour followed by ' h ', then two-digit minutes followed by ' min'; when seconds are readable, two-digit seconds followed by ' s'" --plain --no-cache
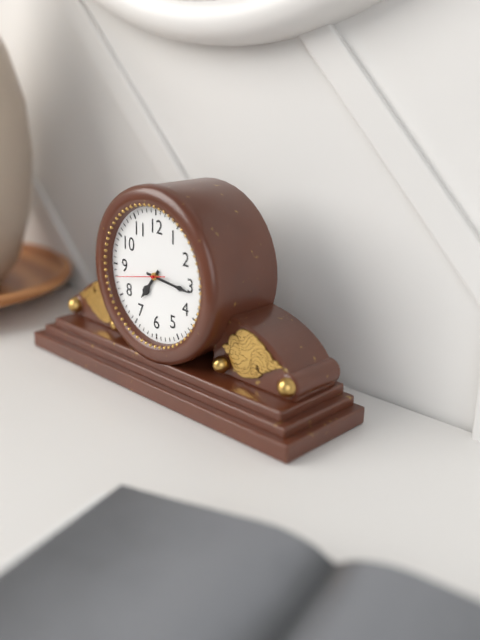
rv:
7 h 16 min
